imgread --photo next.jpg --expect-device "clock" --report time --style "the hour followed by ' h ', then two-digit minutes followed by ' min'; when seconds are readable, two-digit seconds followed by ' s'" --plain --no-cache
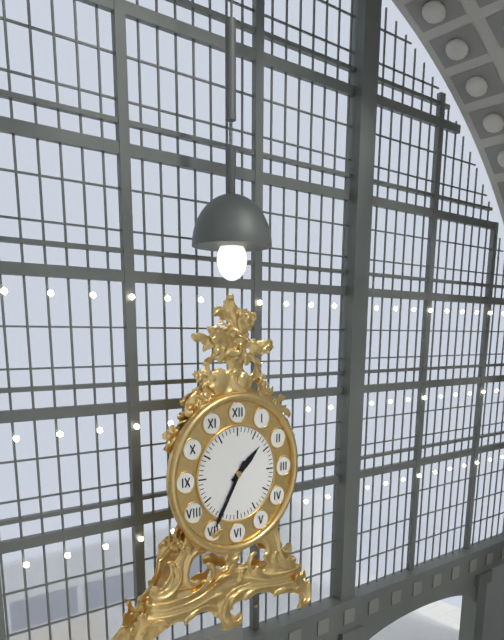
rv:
1 h 35 min
